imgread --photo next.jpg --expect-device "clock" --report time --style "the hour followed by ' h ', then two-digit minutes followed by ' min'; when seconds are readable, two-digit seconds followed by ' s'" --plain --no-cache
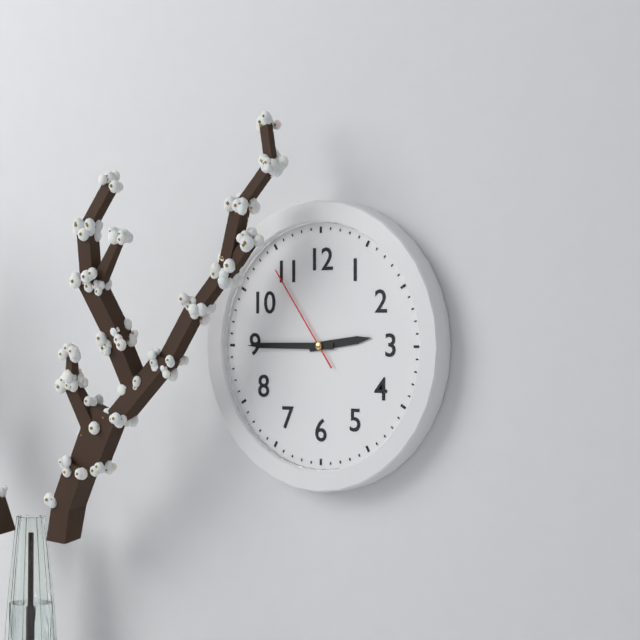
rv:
2 h 45 min 54 s
